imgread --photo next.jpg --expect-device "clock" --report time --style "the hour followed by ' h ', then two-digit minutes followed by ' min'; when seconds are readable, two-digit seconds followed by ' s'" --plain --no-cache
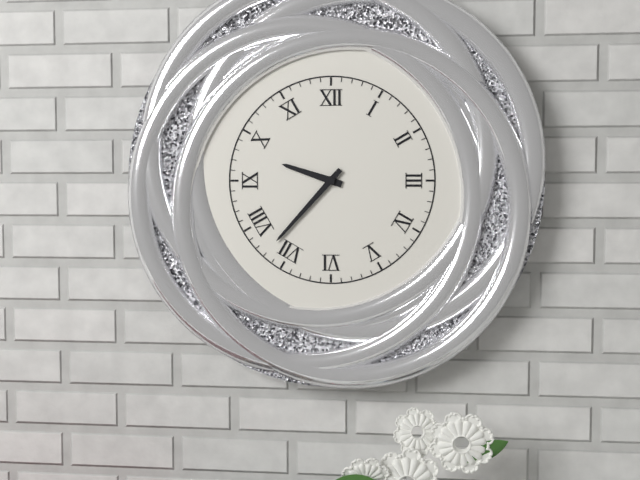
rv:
9 h 37 min
